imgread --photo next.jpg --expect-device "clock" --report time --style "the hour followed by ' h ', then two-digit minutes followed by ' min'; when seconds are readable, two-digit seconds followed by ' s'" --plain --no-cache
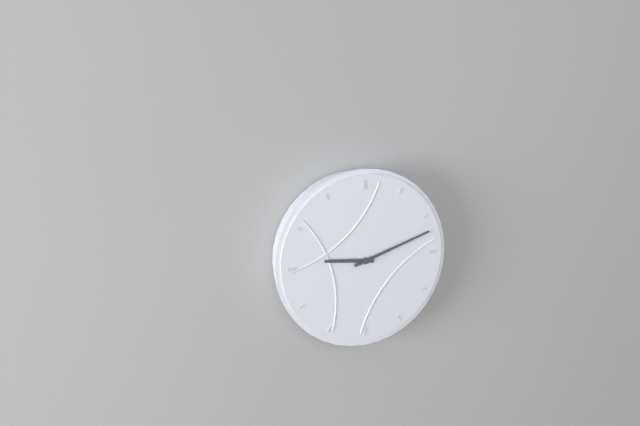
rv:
9 h 12 min
